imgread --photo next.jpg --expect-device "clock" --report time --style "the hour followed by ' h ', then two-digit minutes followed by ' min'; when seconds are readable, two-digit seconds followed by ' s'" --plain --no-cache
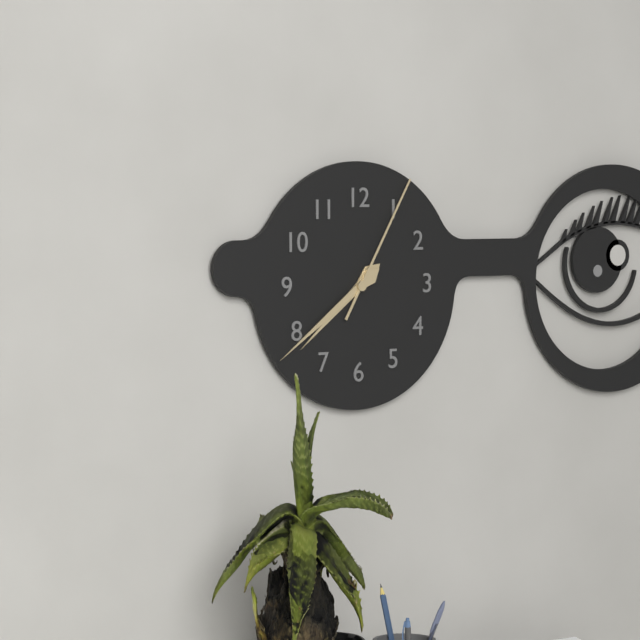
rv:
7 h 39 min 05 s
